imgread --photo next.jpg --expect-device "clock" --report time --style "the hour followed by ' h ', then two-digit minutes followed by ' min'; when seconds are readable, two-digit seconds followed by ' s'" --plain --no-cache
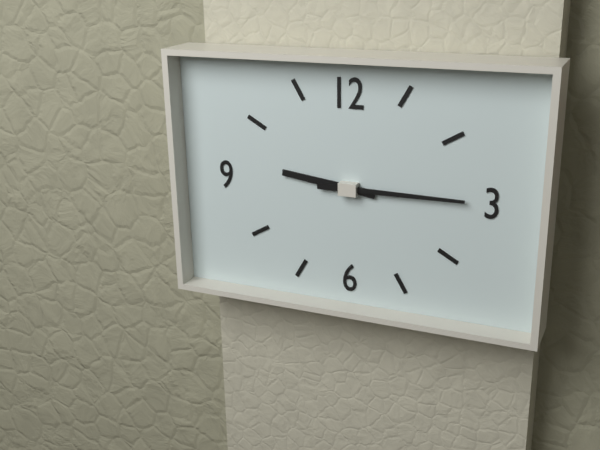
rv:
9 h 15 min
